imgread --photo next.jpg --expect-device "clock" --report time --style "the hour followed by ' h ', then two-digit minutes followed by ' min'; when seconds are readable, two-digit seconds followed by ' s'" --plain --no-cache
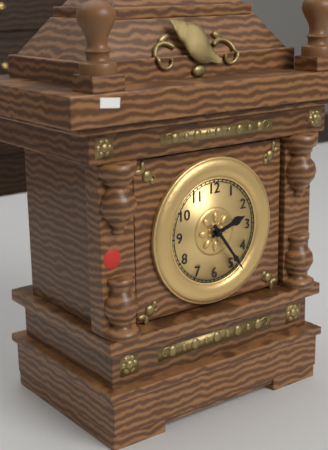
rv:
2 h 24 min
